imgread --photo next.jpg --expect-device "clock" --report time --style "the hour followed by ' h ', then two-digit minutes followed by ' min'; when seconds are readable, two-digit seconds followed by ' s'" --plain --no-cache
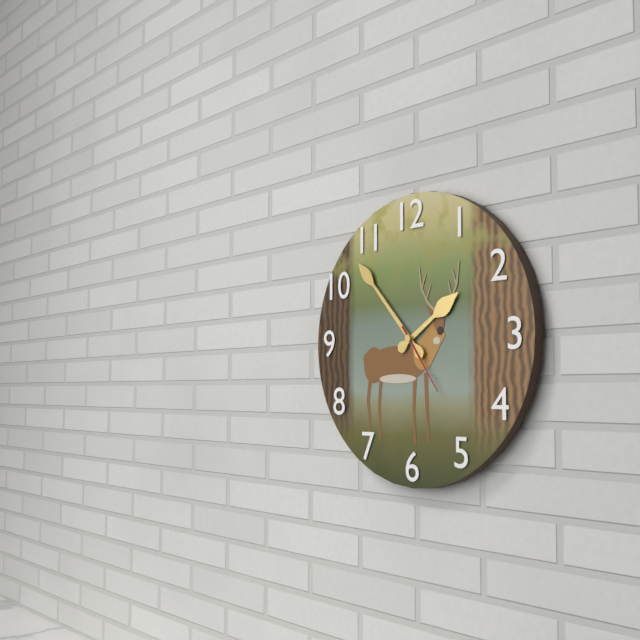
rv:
1 h 53 min 24 s
